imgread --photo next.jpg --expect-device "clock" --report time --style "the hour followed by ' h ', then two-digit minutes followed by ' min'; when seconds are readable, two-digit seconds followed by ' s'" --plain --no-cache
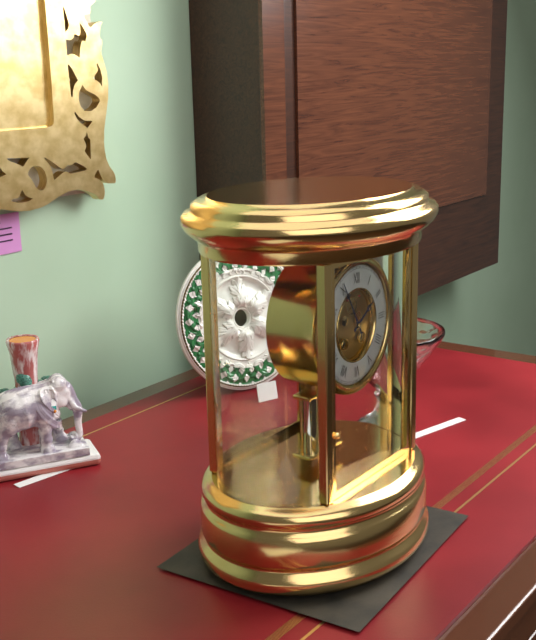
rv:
1 h 55 min
